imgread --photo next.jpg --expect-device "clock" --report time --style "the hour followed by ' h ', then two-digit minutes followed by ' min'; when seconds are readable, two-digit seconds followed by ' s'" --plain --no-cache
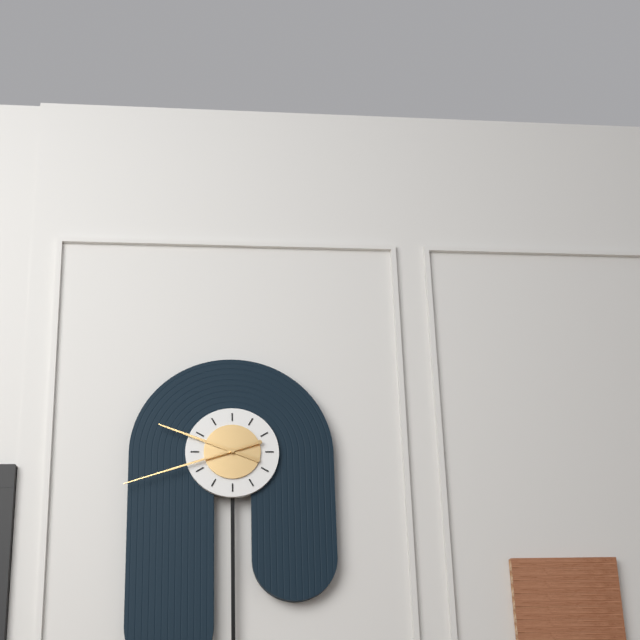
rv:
9 h 42 min
